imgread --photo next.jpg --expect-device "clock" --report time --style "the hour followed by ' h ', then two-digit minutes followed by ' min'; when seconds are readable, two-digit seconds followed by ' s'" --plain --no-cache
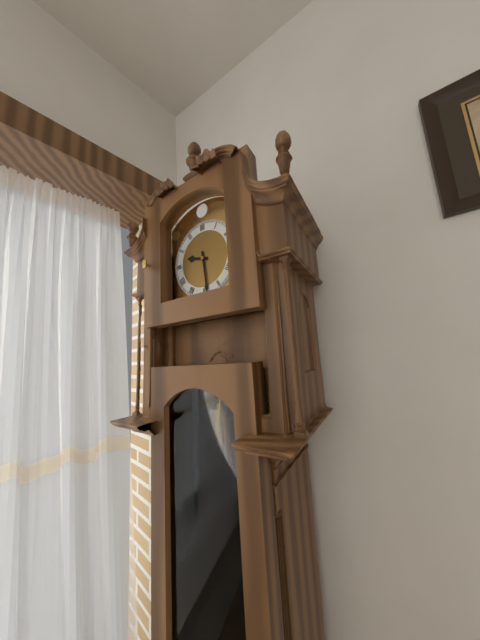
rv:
9 h 29 min
